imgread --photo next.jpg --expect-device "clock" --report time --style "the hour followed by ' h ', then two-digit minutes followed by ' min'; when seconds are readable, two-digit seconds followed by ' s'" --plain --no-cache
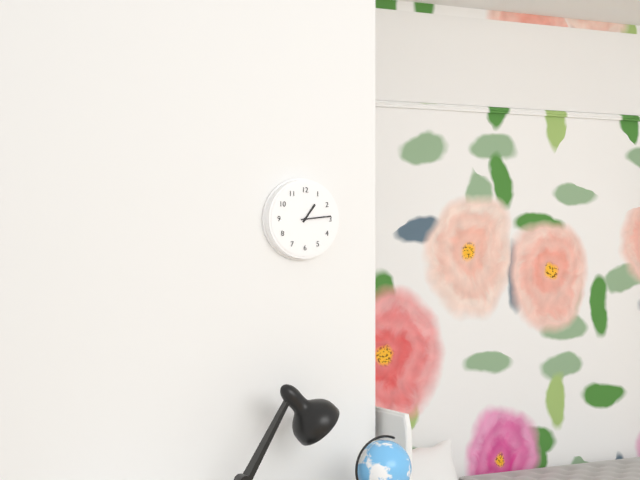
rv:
1 h 14 min
